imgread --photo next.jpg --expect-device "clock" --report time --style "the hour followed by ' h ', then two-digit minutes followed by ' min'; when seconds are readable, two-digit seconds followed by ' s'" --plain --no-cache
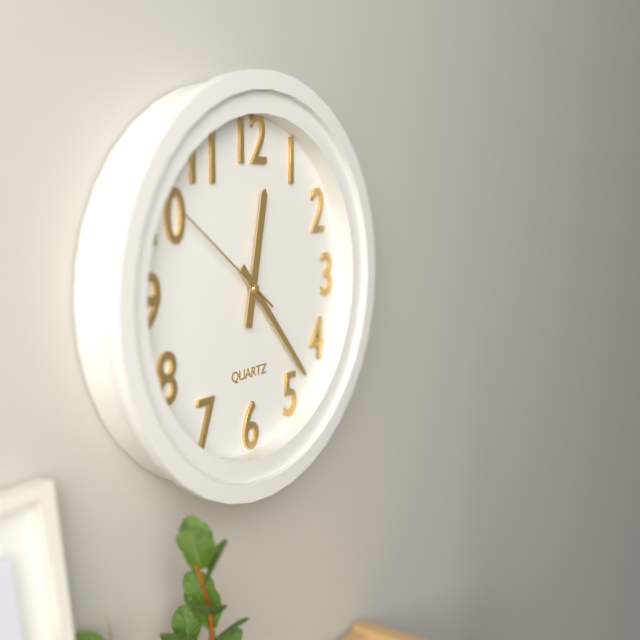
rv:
12 h 23 min 51 s
